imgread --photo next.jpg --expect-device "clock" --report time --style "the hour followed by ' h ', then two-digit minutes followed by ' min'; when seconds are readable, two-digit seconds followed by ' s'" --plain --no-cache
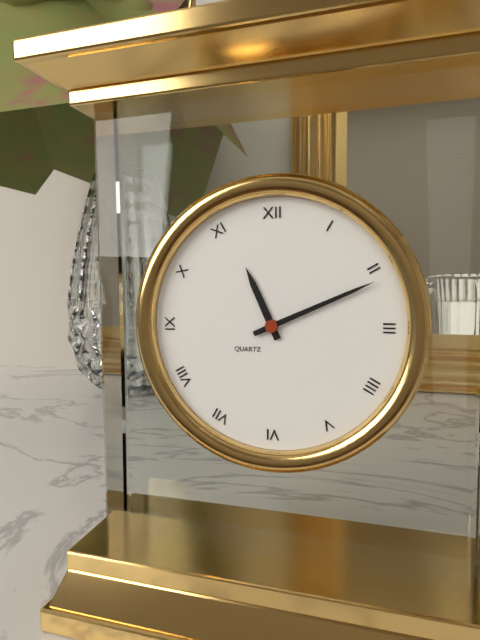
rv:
11 h 11 min
